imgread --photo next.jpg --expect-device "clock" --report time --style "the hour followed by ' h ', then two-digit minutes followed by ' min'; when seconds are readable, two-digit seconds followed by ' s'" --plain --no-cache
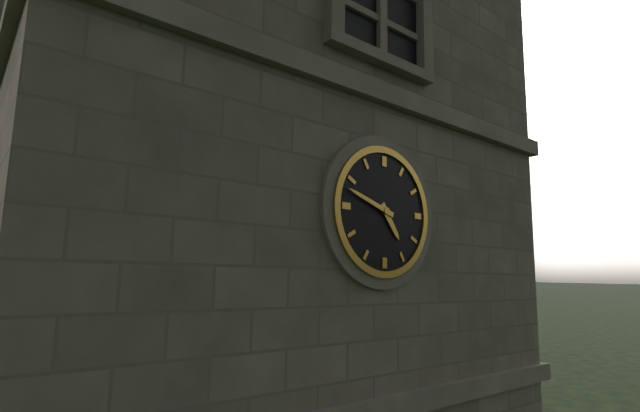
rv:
4 h 48 min
